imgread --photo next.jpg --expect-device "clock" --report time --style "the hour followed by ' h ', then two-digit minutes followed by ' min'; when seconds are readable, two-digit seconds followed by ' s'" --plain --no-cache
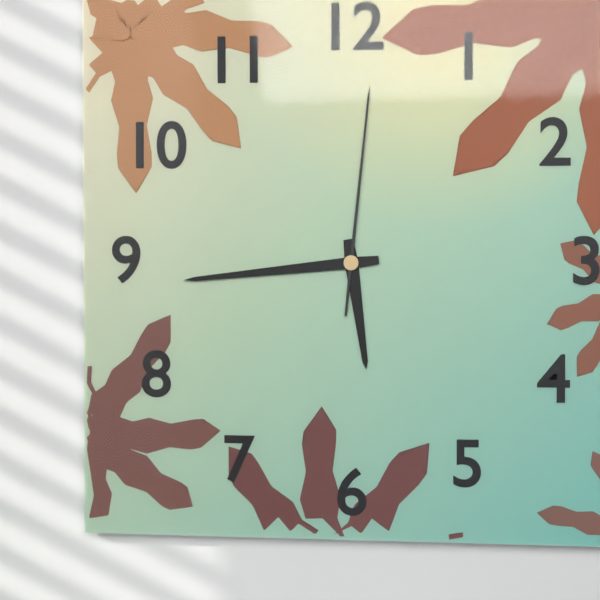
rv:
5 h 44 min 01 s
